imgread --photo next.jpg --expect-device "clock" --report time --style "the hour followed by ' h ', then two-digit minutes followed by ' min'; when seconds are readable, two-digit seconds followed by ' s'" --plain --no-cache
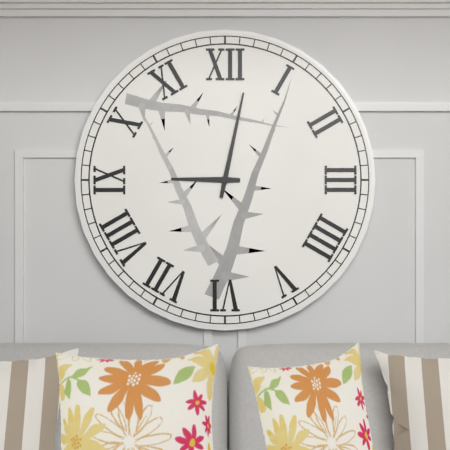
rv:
9 h 02 min
